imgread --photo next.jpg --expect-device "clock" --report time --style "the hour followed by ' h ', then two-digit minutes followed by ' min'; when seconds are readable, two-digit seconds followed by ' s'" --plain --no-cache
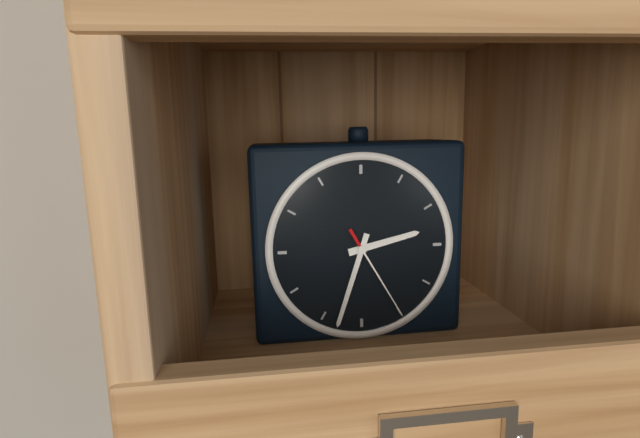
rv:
2 h 33 min 25 s
